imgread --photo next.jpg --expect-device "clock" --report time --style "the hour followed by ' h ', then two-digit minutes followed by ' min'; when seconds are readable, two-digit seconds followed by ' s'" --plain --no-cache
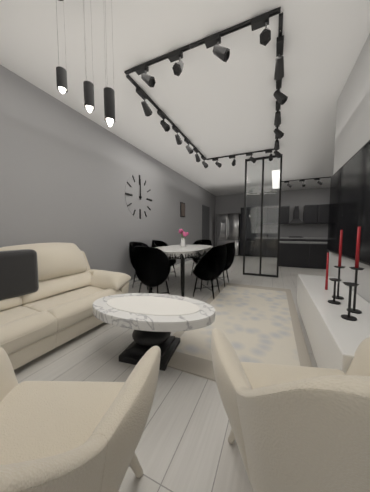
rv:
12 h 00 min
